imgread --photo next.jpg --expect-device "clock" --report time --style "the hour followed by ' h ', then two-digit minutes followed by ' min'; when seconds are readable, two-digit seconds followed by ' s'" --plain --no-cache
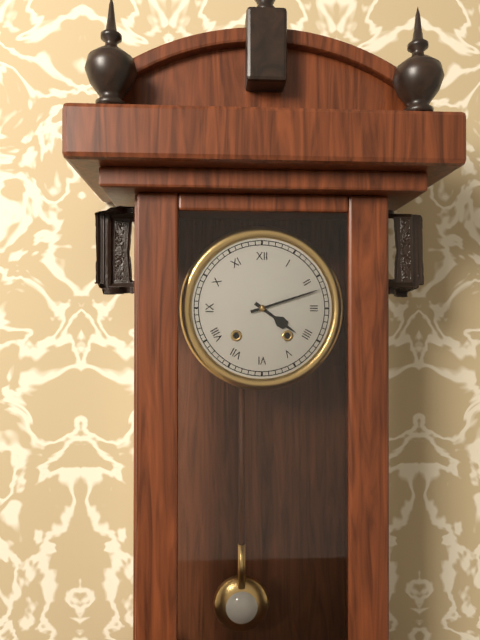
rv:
4 h 12 min
